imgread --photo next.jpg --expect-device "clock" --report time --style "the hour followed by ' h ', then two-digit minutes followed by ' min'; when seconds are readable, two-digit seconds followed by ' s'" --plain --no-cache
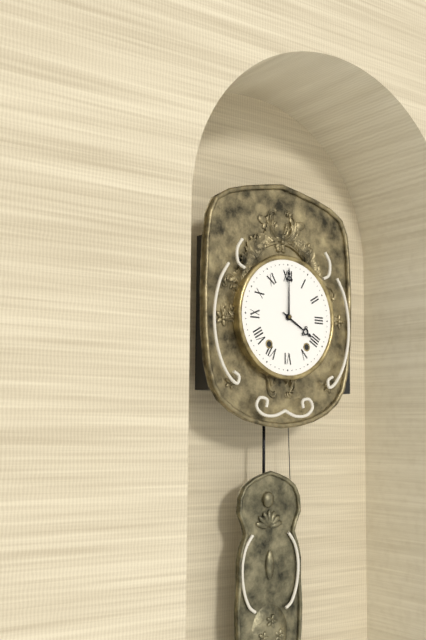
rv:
4 h 00 min
